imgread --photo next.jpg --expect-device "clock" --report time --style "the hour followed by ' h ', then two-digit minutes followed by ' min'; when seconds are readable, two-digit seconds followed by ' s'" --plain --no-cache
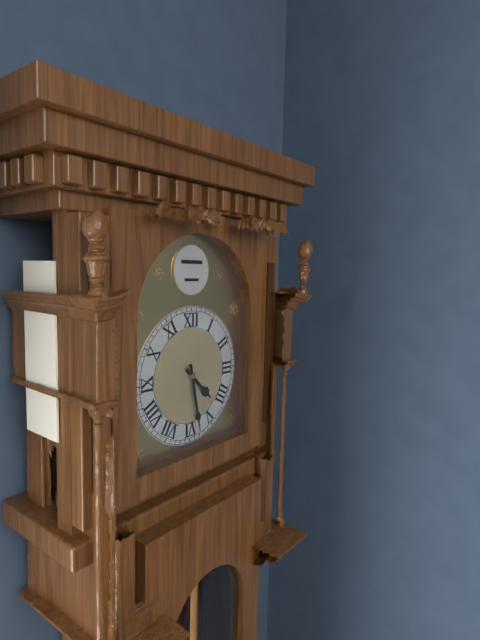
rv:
4 h 28 min
